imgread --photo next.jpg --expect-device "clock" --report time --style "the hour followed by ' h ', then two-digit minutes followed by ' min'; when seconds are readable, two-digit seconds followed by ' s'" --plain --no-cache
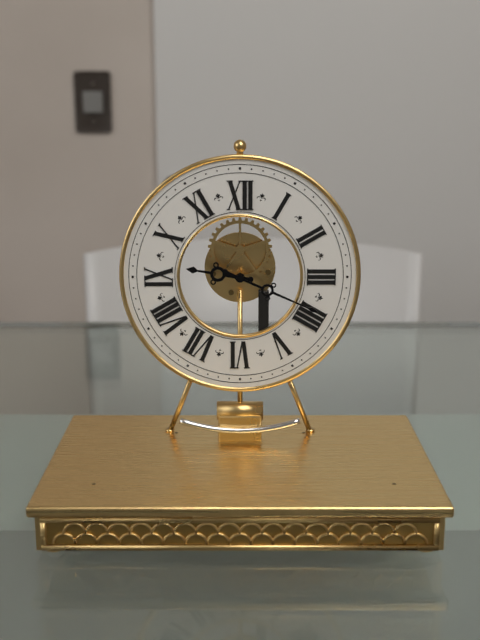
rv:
9 h 19 min
